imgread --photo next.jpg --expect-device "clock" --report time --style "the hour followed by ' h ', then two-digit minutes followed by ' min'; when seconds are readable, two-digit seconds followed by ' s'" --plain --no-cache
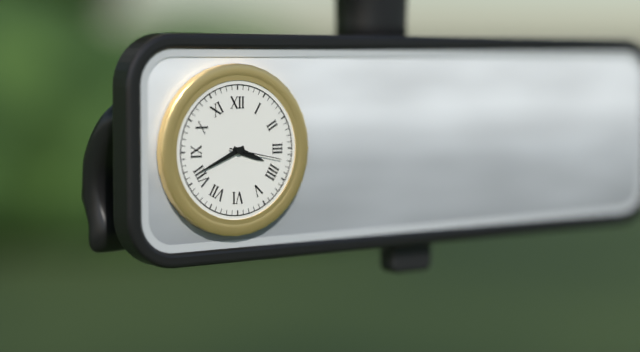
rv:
3 h 41 min 17 s
